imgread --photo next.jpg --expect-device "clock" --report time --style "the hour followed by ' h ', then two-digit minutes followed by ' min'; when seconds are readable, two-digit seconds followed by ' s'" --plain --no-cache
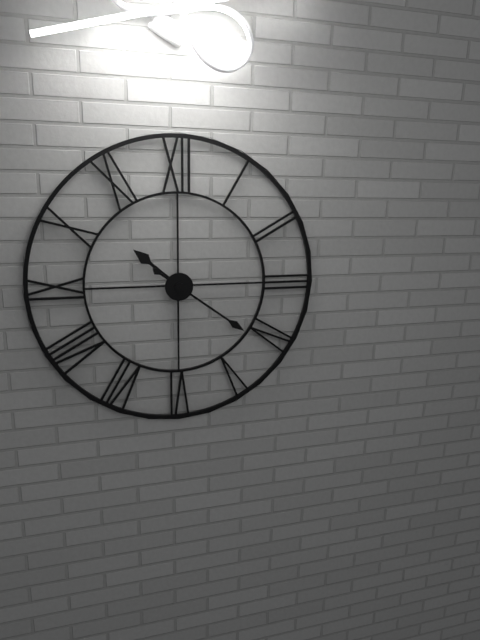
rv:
10 h 21 min
